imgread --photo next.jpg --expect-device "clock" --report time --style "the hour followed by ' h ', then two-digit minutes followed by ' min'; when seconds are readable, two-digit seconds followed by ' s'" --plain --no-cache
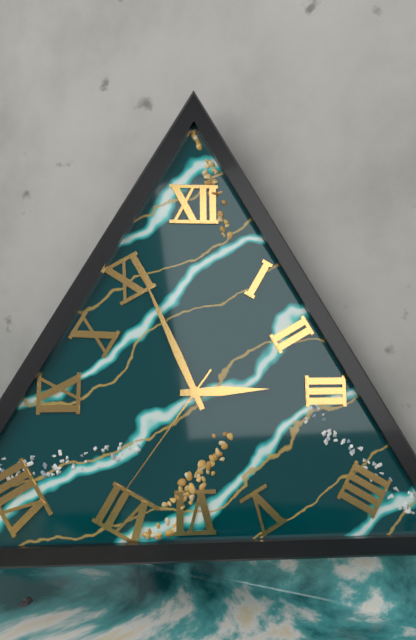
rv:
2 h 56 min 36 s
